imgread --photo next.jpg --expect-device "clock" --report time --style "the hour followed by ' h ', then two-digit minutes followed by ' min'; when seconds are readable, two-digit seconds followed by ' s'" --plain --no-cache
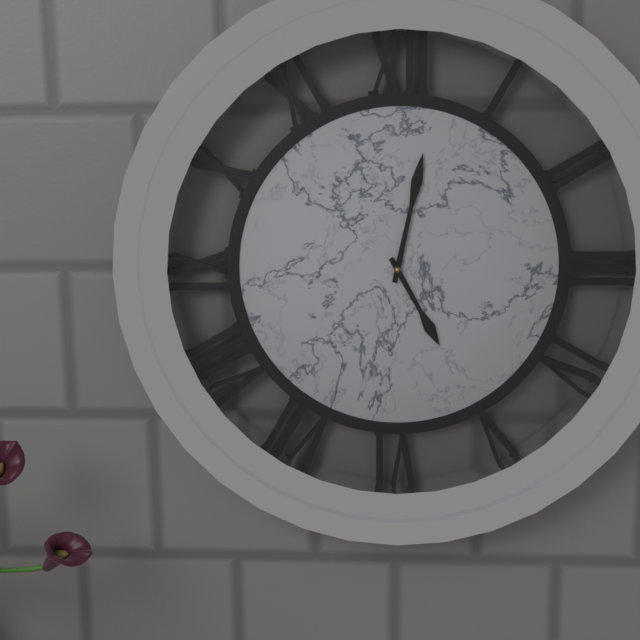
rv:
5 h 02 min
